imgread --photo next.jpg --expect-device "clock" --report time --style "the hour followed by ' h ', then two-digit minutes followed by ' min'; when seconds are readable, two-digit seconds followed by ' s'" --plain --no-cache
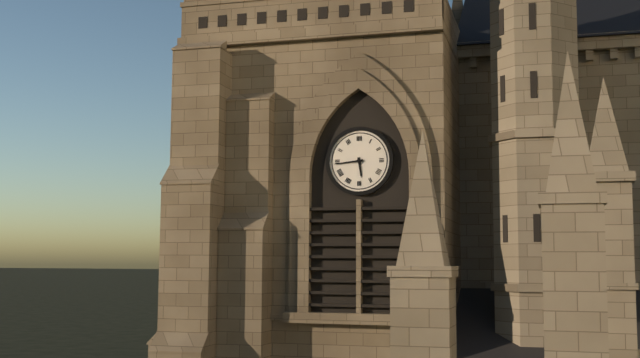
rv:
5 h 44 min
